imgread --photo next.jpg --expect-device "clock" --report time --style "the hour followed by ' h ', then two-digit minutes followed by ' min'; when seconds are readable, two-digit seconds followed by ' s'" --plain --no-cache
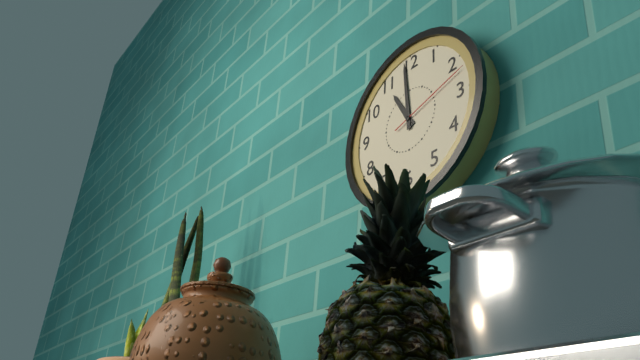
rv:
10 h 59 min 12 s
